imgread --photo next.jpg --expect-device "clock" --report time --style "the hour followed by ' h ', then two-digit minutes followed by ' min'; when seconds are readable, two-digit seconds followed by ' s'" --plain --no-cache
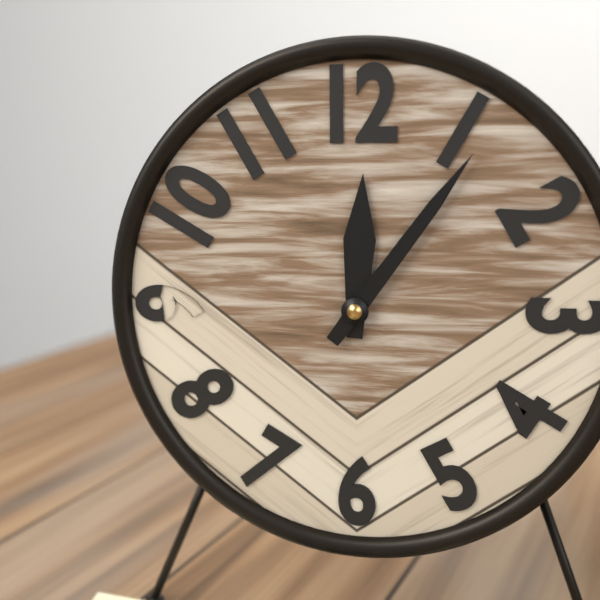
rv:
12 h 06 min
